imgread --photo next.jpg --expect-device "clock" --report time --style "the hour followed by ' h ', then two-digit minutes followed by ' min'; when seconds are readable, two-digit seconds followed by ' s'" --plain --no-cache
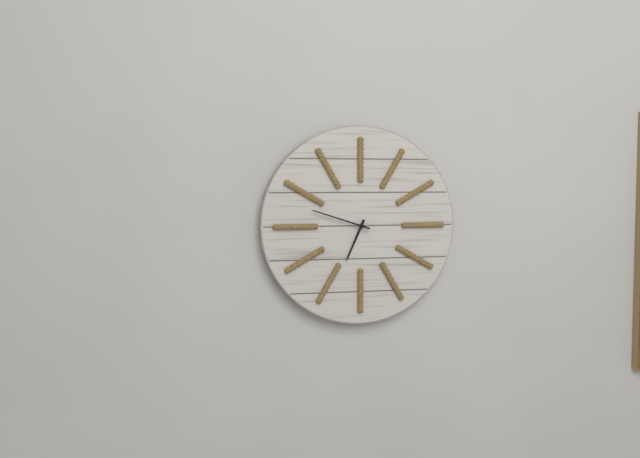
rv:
6 h 48 min
